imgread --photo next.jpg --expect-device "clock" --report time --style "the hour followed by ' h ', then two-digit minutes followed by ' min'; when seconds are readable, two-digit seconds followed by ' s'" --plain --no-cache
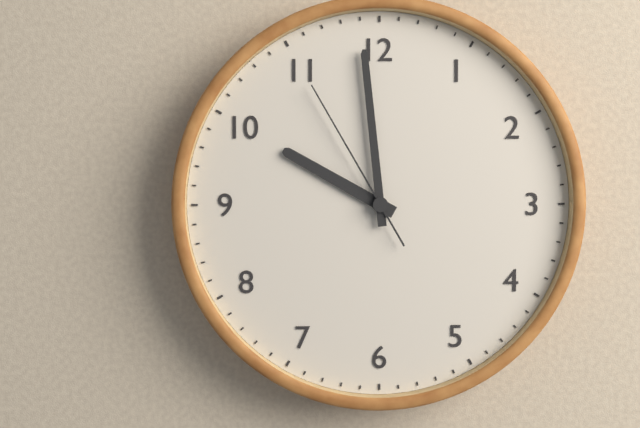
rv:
9 h 59 min 55 s
